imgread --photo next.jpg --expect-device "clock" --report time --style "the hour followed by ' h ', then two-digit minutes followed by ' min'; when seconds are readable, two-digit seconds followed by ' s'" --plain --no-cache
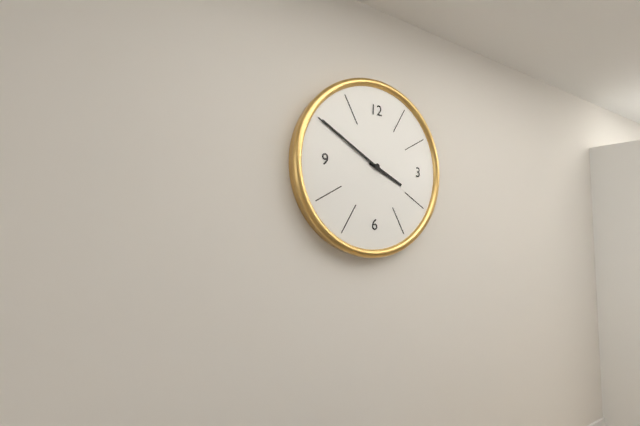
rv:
3 h 50 min
